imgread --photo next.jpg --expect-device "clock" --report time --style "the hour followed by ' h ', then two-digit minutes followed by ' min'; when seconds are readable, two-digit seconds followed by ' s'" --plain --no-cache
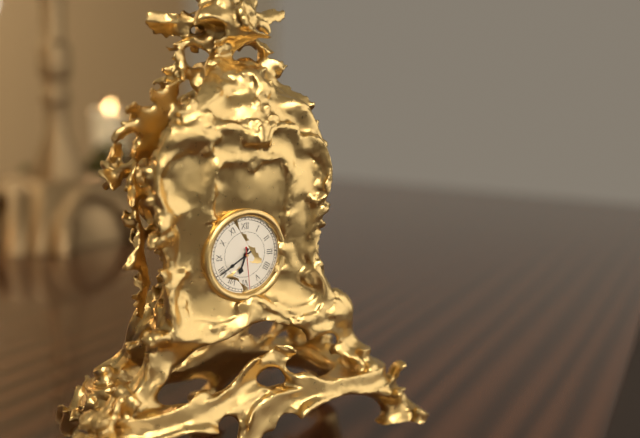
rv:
6 h 40 min
